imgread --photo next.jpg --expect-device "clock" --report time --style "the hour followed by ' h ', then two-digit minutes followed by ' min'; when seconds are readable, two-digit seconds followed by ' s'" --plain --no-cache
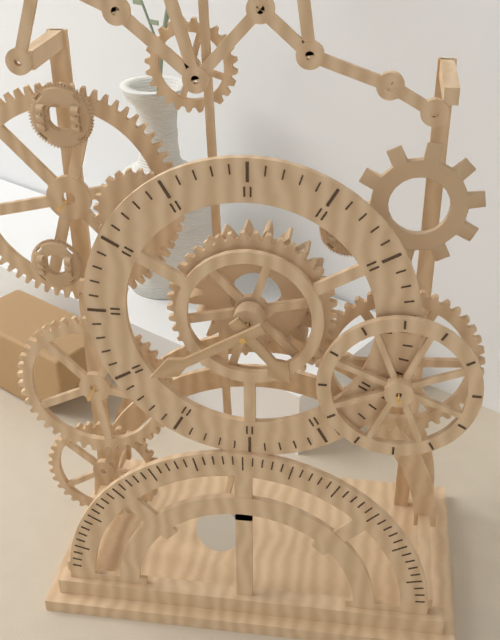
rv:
4 h 40 min
